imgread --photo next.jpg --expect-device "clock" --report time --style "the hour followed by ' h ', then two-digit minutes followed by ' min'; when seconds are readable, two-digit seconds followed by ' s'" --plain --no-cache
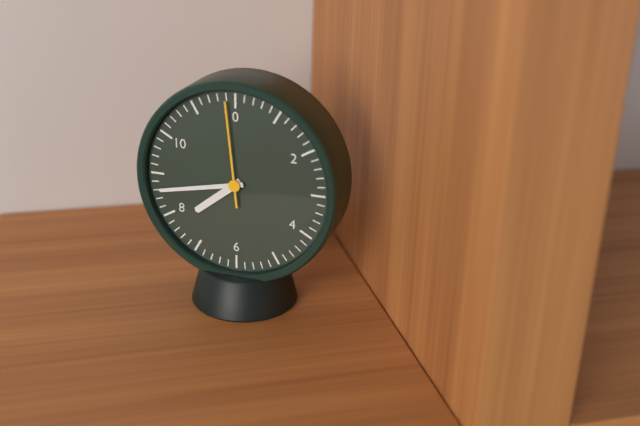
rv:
7 h 43 min 59 s
